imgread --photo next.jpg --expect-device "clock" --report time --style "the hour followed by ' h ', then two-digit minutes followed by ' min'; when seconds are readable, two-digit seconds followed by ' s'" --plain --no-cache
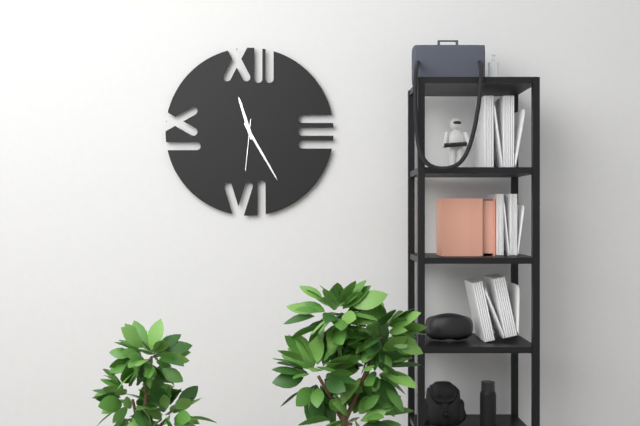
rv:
11 h 25 min
